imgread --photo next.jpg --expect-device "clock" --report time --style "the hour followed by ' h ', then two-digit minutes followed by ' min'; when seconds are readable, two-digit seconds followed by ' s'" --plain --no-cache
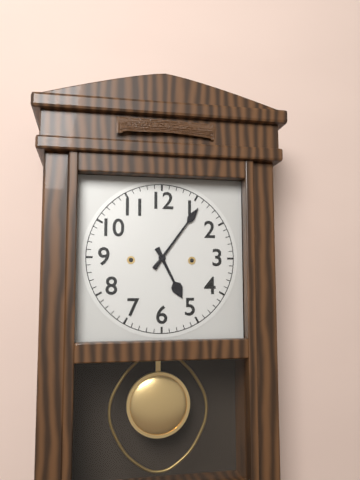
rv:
5 h 06 min
